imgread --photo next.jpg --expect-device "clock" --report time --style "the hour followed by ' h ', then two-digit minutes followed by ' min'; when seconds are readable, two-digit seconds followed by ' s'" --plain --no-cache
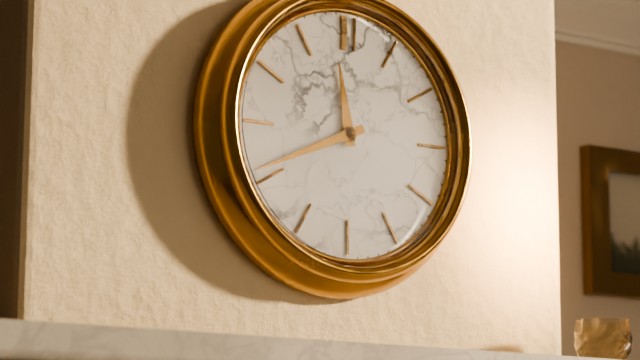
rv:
11 h 41 min
